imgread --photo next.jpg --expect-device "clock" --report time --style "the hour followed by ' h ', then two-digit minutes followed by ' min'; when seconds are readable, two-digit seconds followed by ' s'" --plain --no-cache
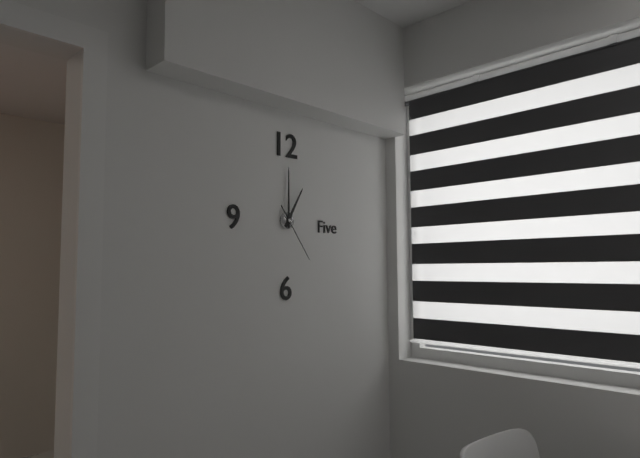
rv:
1 h 00 min 24 s
